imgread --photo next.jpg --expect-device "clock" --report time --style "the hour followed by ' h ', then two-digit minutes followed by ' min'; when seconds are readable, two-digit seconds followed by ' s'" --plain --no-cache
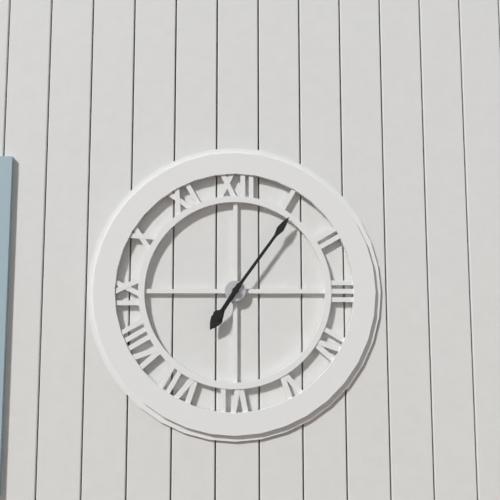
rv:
7 h 06 min
